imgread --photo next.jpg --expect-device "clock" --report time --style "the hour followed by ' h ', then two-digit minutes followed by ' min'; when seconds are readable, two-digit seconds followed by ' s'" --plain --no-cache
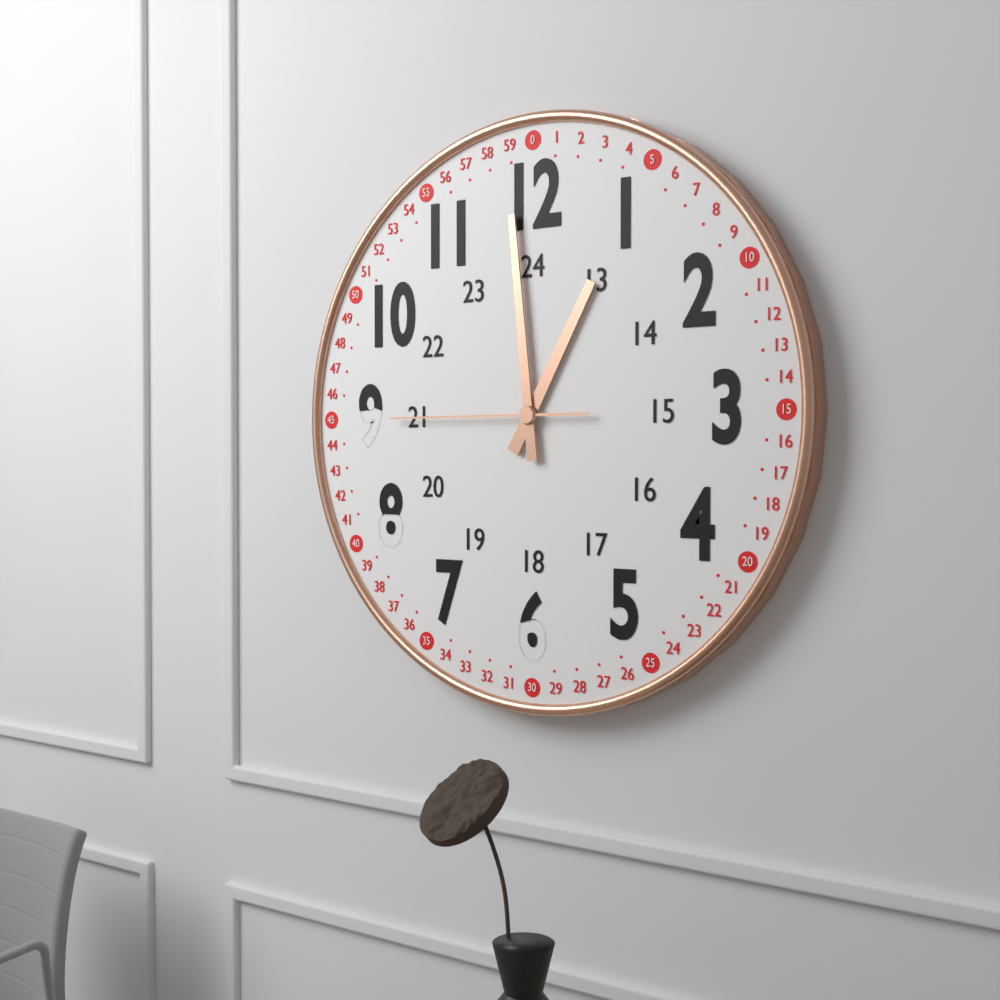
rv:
12 h 59 min 45 s
